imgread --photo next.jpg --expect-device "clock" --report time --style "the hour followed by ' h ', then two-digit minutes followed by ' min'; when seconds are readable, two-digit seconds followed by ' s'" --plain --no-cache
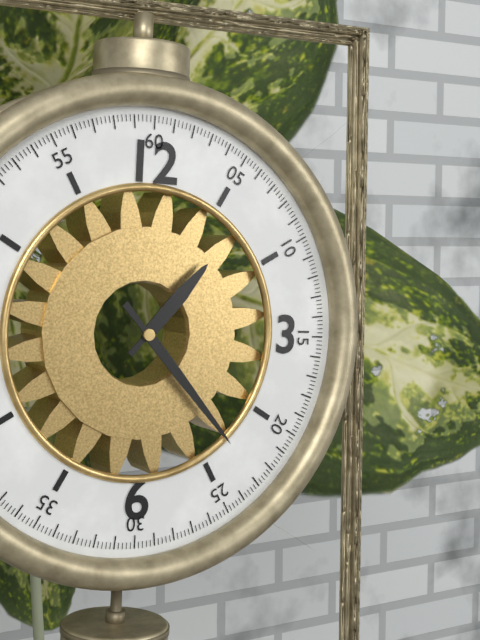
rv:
1 h 23 min
